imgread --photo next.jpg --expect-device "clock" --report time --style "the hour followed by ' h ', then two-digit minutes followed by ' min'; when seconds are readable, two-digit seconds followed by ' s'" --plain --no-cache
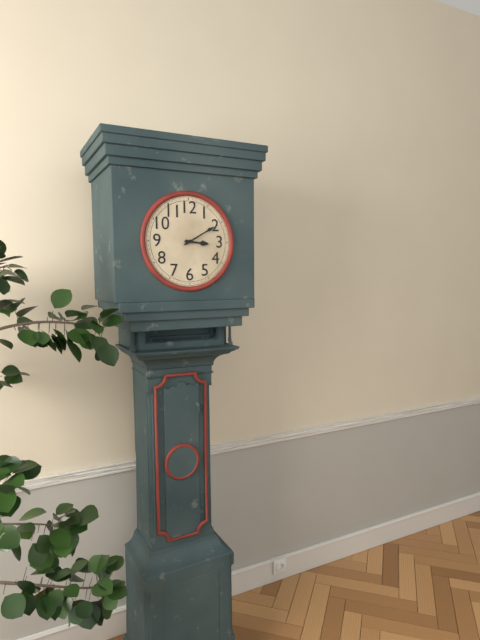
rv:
3 h 10 min
